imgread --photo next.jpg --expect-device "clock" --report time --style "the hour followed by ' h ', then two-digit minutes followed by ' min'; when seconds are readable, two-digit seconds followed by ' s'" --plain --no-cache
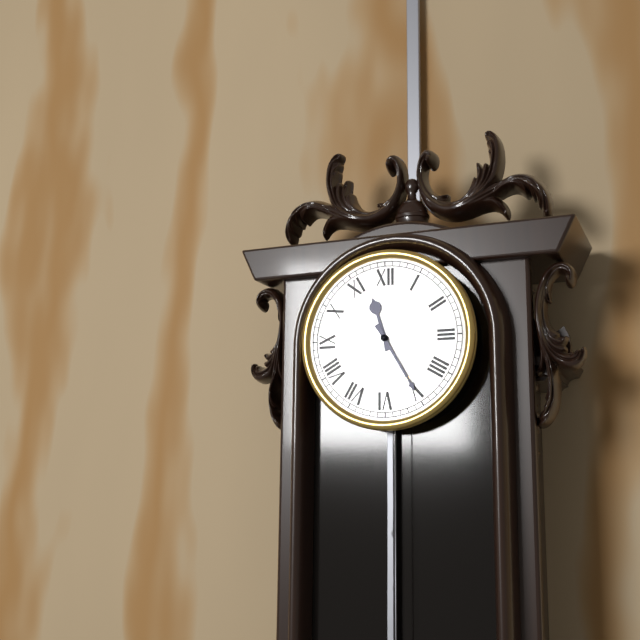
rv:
11 h 25 min
